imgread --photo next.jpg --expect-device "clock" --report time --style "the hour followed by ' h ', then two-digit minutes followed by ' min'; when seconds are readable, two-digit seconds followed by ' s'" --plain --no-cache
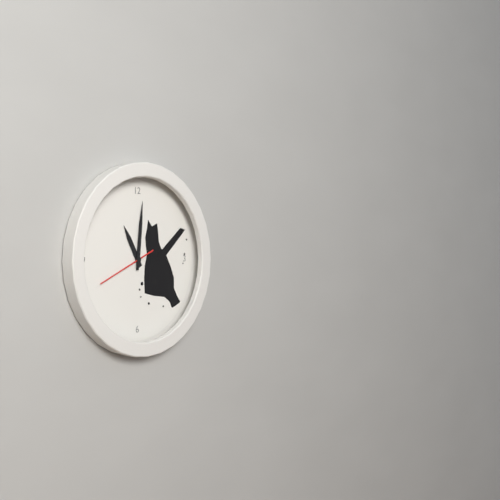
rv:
11 h 01 min 41 s
